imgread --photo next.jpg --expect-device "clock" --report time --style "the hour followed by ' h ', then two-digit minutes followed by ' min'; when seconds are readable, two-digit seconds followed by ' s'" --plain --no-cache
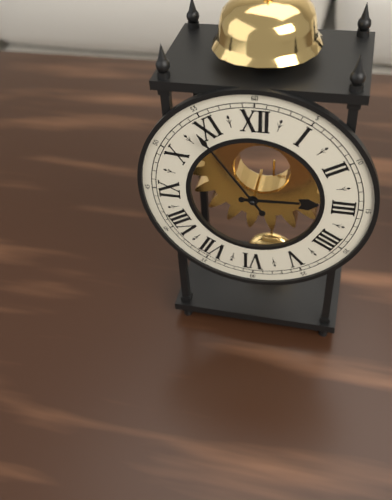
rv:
2 h 54 min
